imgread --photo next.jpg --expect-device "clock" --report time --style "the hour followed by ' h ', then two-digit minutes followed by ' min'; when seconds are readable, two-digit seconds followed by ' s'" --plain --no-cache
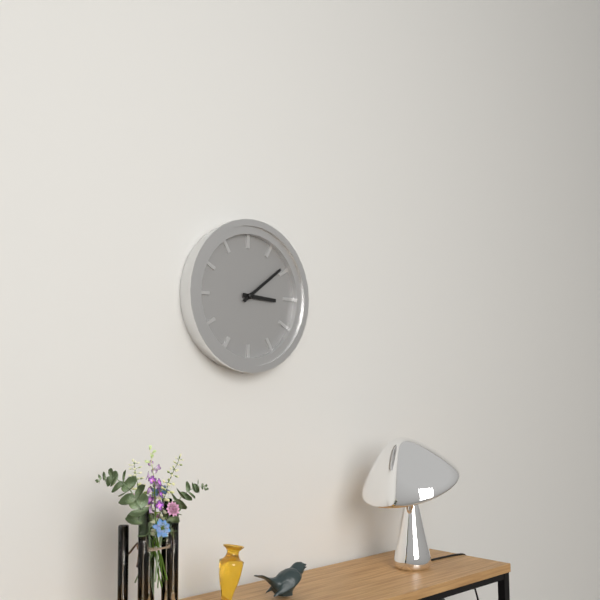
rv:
3 h 09 min
